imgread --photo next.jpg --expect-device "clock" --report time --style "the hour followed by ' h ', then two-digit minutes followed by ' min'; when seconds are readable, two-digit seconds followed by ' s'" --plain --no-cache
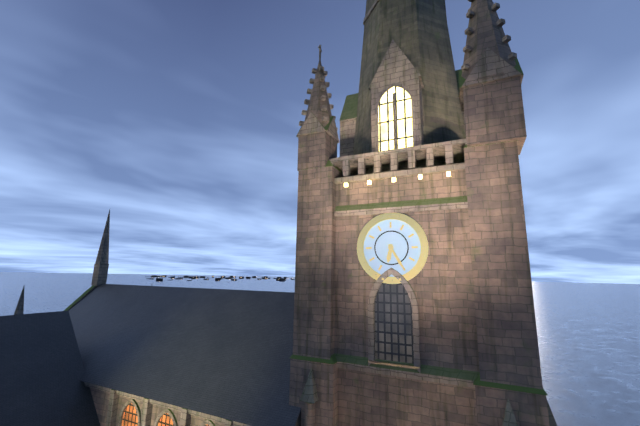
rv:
6 h 25 min
